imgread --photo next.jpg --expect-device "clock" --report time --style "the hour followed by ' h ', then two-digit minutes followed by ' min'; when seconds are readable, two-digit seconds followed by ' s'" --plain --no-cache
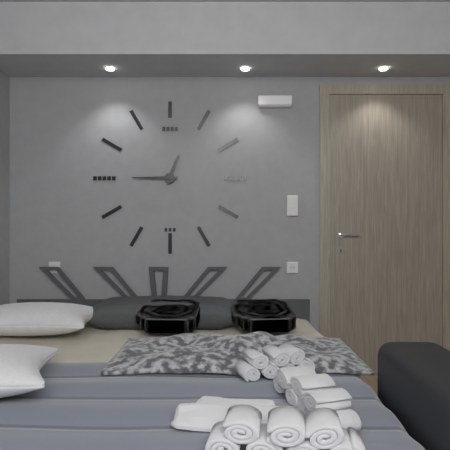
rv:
12 h 45 min
